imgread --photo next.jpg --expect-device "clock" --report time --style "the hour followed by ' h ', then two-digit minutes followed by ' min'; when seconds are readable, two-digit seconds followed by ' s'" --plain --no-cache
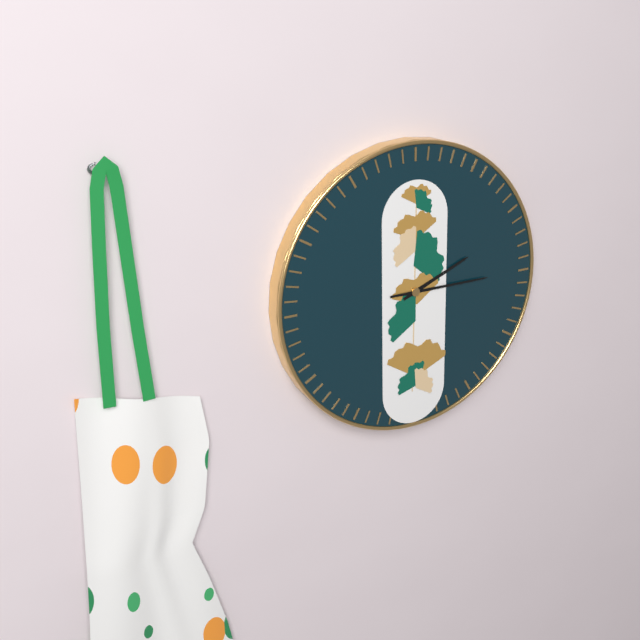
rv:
2 h 15 min
